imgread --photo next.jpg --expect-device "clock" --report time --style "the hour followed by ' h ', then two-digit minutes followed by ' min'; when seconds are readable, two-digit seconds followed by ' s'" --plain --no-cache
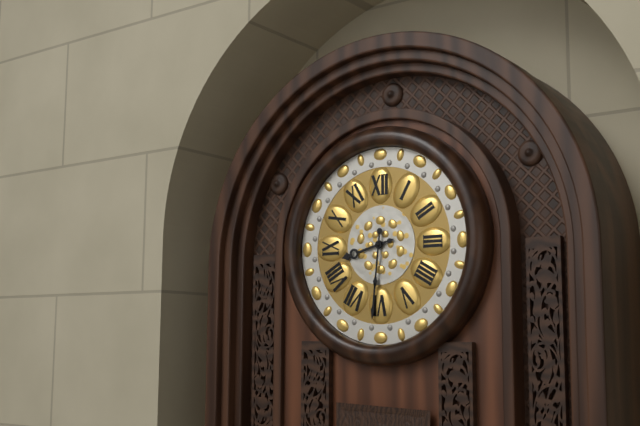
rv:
8 h 31 min
